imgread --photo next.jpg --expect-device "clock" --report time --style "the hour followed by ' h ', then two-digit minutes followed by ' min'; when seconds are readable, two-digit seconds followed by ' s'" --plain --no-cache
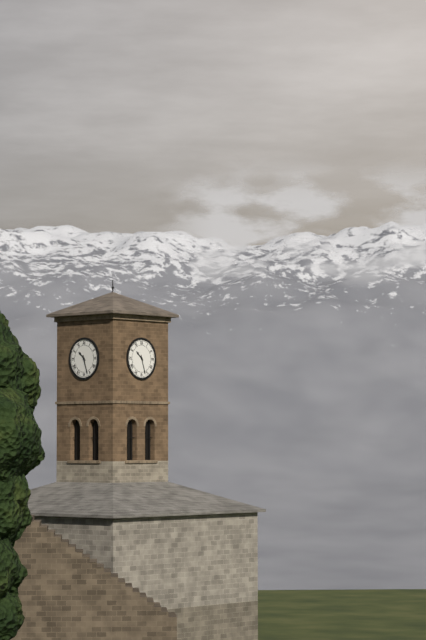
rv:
10 h 27 min
